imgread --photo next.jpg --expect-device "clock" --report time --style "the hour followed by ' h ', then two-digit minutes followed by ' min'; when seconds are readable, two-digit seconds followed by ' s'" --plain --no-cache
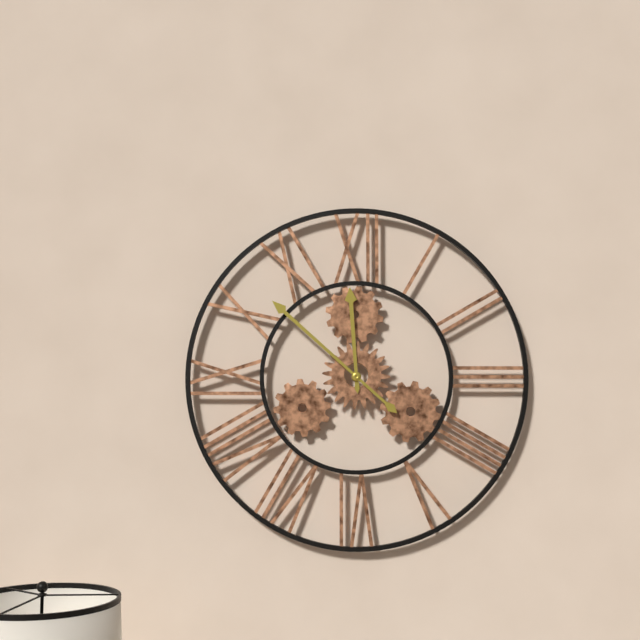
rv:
11 h 52 min
